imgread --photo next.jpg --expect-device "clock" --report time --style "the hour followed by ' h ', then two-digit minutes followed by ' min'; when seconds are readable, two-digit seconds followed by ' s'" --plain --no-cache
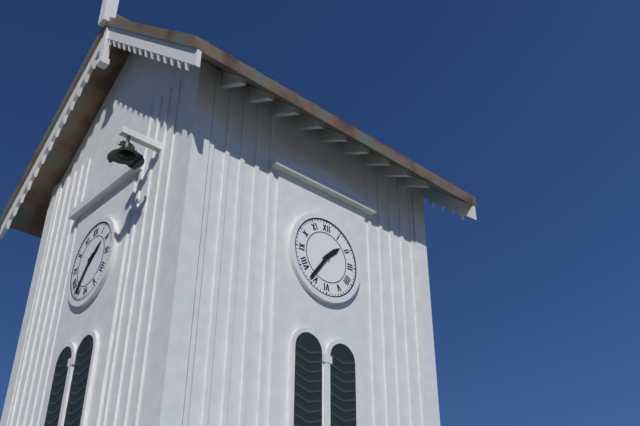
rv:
1 h 36 min
